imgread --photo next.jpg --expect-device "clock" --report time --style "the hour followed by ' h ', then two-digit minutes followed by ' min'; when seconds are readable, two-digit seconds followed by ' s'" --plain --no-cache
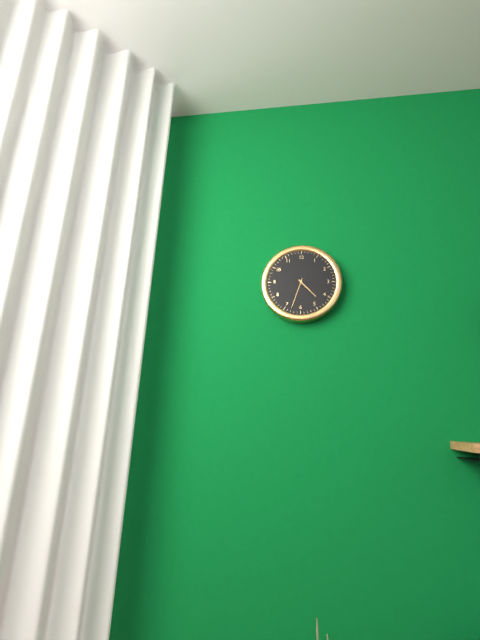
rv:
4 h 33 min
